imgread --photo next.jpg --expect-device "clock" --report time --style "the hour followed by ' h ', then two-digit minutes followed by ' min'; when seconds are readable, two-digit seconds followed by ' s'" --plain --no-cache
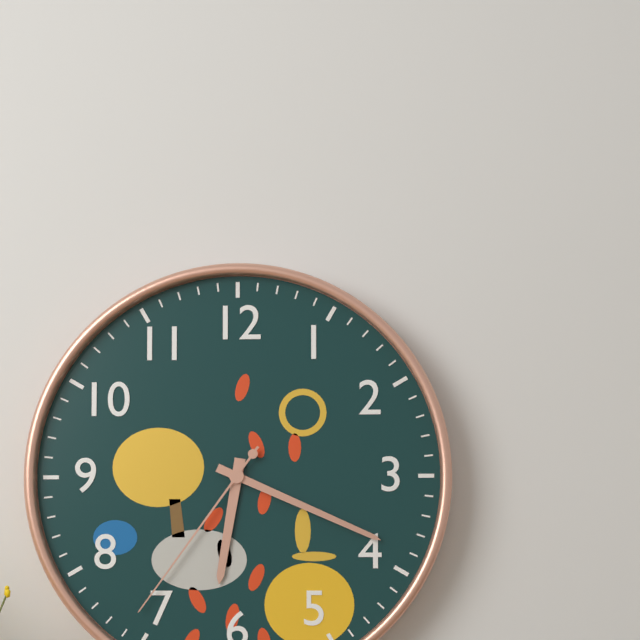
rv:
6 h 19 min 36 s
